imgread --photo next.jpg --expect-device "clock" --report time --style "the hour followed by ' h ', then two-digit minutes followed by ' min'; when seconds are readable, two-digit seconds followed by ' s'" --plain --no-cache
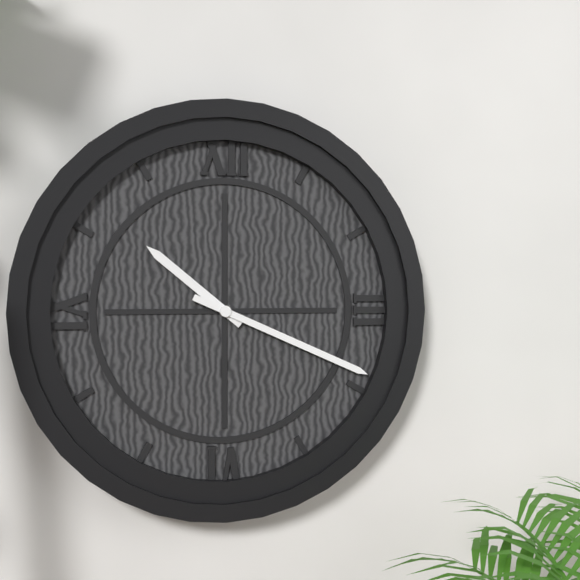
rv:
10 h 19 min
